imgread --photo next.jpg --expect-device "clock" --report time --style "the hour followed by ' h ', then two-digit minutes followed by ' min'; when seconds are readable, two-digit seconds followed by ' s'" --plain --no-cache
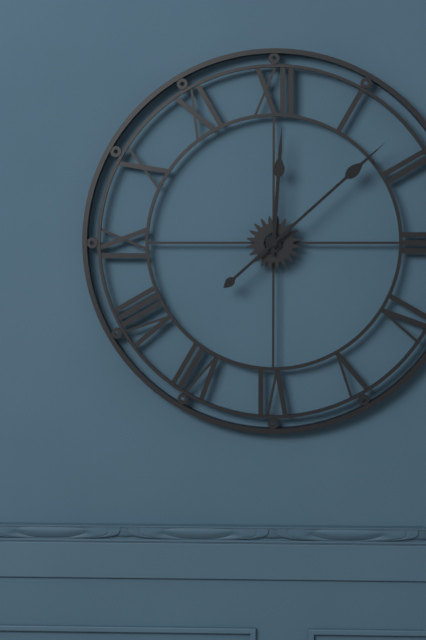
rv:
12 h 08 min
